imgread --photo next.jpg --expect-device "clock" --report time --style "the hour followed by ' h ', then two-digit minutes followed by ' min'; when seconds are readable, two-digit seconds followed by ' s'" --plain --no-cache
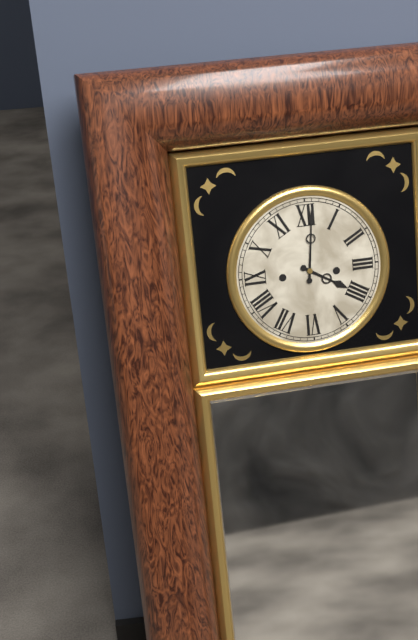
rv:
4 h 01 min
